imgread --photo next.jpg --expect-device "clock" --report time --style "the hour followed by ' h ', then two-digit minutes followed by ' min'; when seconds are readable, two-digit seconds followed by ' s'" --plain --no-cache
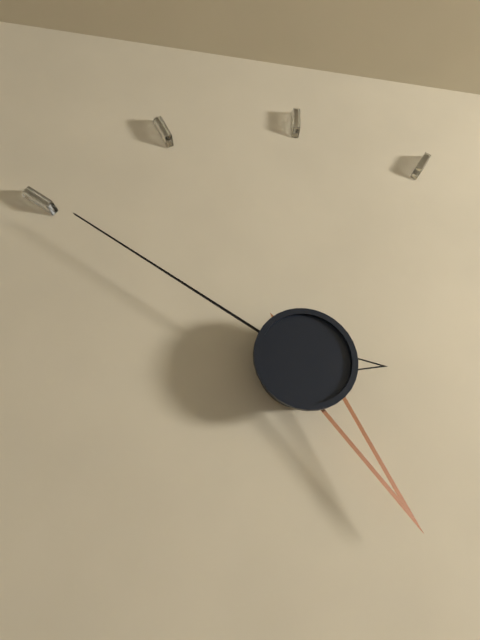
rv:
4 h 50 min 15 s
